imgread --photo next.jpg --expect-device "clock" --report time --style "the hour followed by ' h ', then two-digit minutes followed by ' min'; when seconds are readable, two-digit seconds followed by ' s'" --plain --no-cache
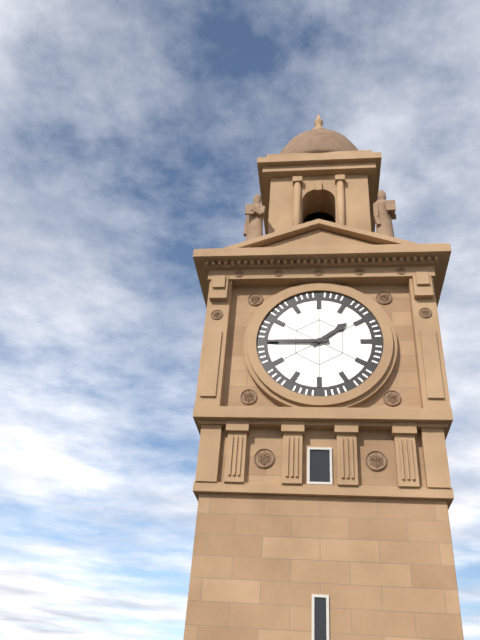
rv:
1 h 45 min
